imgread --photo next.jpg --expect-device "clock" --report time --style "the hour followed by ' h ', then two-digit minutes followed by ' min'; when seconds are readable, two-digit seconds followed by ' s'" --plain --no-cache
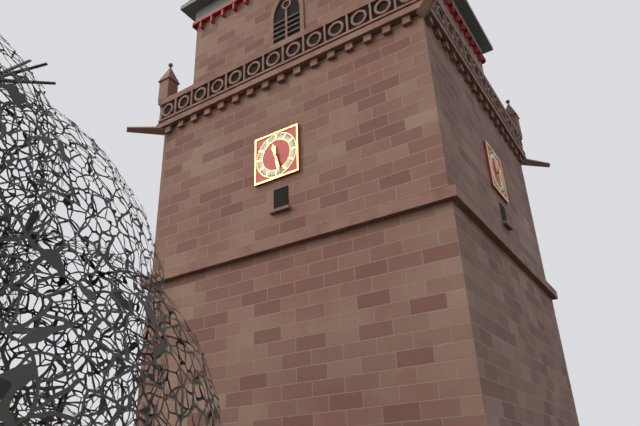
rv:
11 h 28 min
